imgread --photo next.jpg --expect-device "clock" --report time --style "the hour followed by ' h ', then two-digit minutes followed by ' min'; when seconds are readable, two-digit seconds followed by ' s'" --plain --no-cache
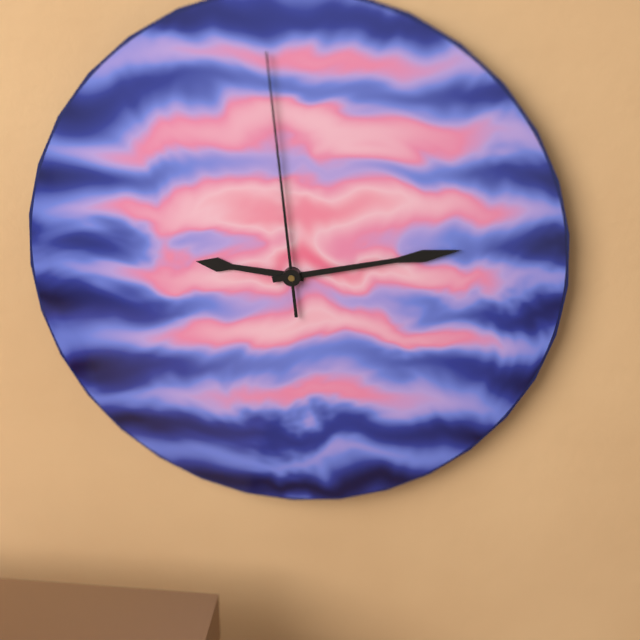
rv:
9 h 13 min 59 s
